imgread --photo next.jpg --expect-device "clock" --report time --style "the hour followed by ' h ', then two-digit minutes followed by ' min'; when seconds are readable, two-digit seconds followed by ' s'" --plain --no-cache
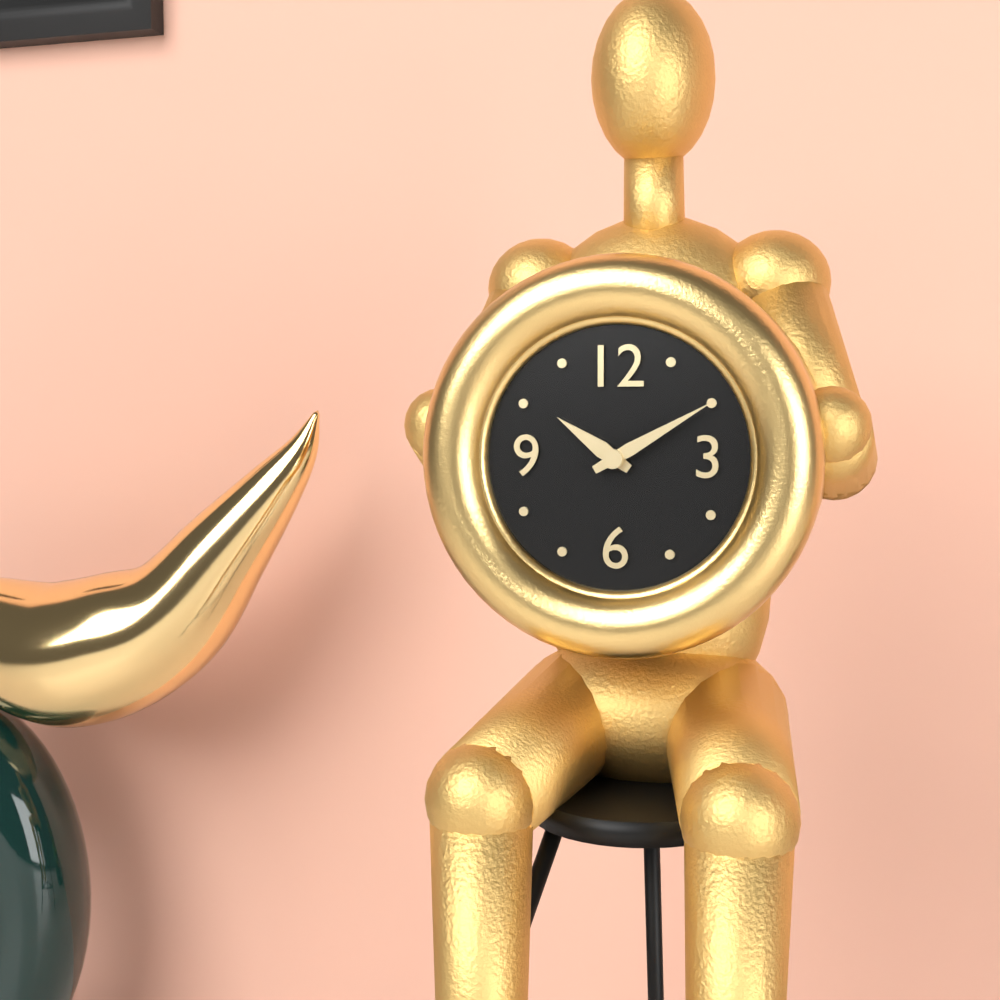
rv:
10 h 10 min
